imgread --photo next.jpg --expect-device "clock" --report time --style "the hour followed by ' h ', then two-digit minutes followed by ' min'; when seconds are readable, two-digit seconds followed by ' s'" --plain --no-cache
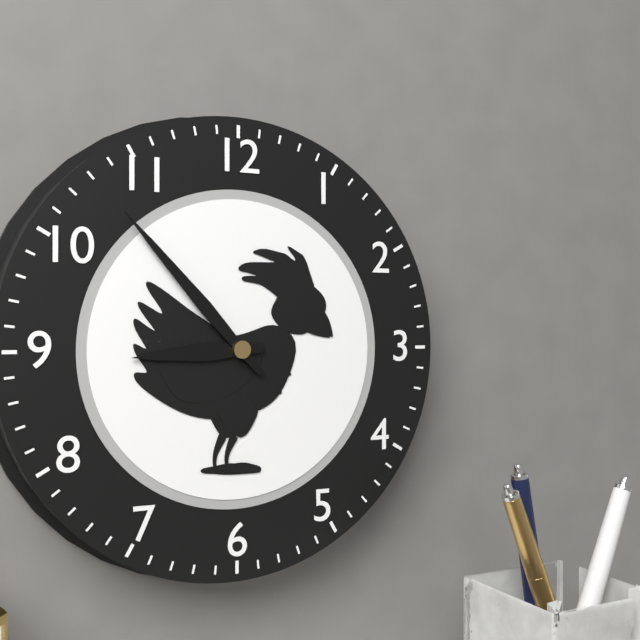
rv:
8 h 53 min
